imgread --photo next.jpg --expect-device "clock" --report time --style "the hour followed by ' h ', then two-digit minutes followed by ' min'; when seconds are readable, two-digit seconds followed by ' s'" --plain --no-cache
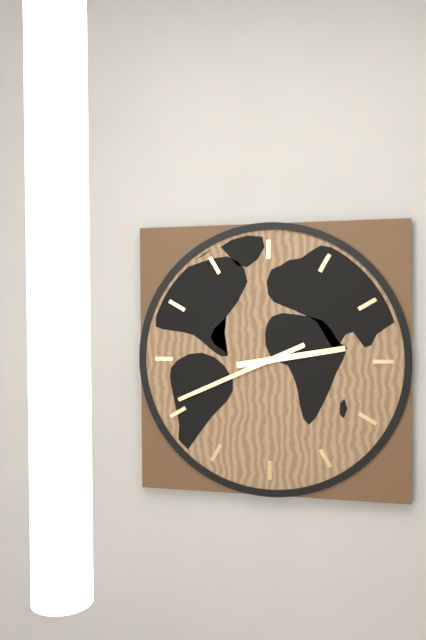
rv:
2 h 41 min
